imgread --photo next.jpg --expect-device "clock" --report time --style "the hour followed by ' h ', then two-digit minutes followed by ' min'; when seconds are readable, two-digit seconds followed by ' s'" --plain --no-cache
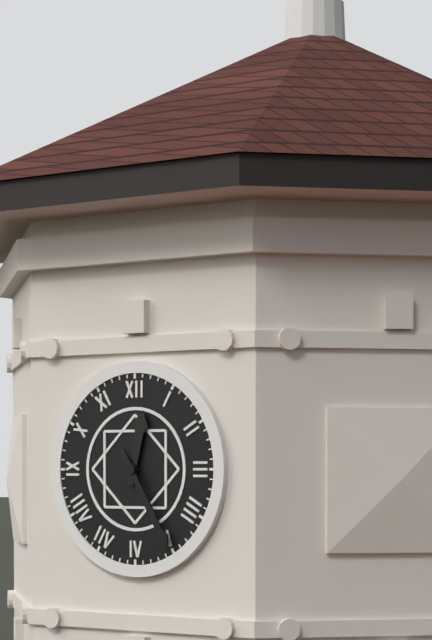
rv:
12 h 25 min
